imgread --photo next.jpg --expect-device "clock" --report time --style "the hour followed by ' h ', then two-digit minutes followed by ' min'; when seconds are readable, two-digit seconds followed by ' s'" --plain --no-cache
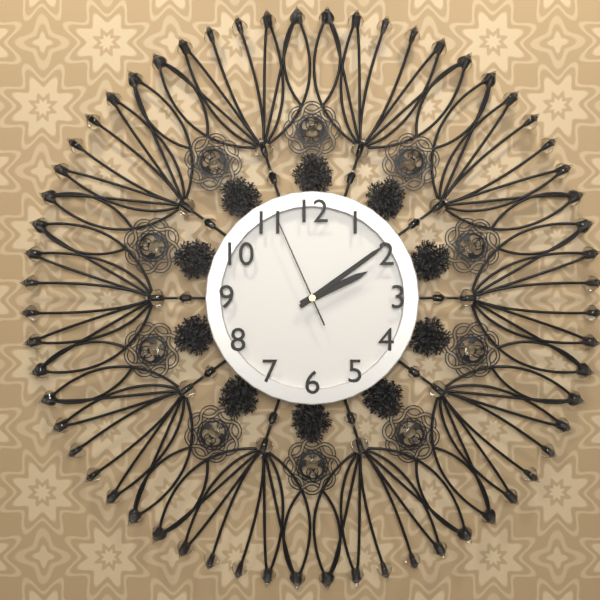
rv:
2 h 09 min 56 s
